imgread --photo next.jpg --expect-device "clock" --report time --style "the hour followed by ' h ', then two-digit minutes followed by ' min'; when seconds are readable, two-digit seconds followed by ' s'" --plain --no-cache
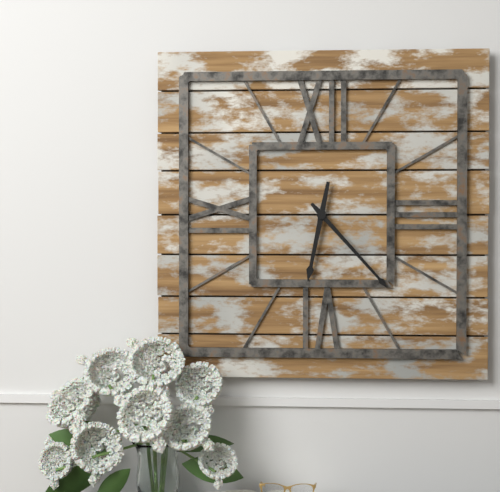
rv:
6 h 23 min
